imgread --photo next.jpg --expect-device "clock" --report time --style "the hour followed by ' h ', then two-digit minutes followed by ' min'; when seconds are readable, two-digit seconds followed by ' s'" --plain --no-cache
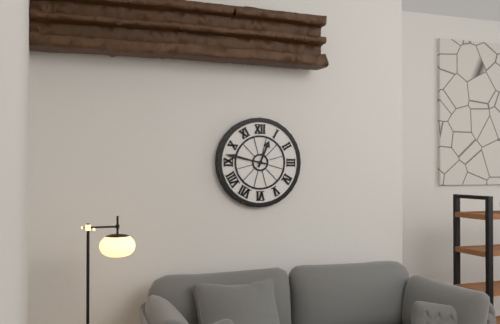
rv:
12 h 47 min
